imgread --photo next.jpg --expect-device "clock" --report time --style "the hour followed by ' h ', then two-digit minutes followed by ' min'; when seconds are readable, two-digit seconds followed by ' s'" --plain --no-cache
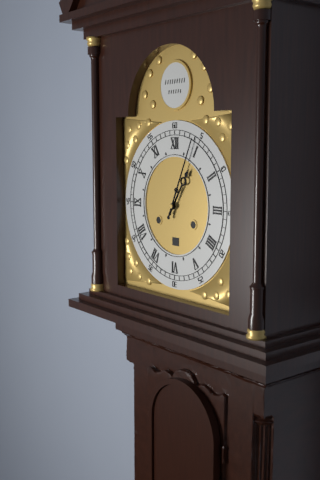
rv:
1 h 04 min
